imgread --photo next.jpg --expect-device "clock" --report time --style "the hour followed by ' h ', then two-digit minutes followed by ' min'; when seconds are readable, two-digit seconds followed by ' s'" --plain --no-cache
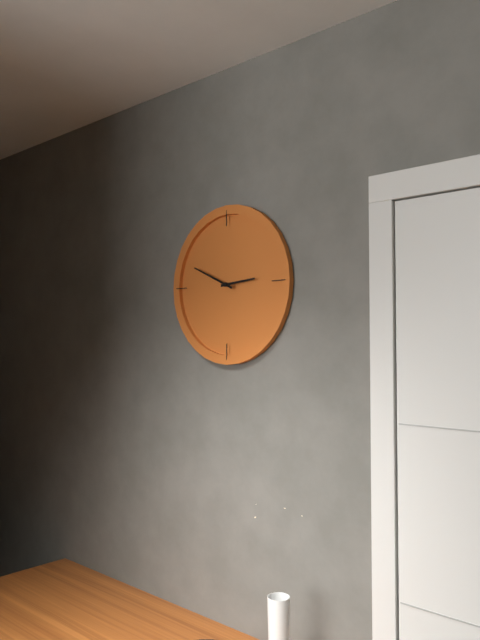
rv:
2 h 49 min
